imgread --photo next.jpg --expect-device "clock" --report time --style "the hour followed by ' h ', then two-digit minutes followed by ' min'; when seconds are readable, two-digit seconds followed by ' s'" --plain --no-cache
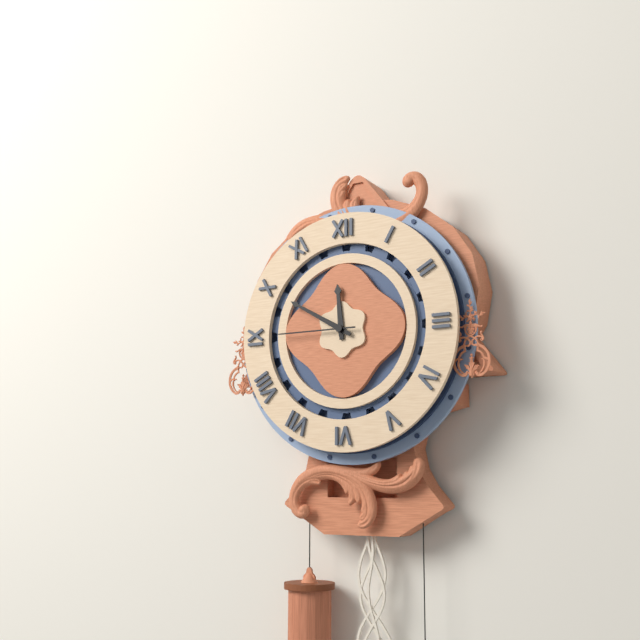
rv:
11 h 50 min 45 s
